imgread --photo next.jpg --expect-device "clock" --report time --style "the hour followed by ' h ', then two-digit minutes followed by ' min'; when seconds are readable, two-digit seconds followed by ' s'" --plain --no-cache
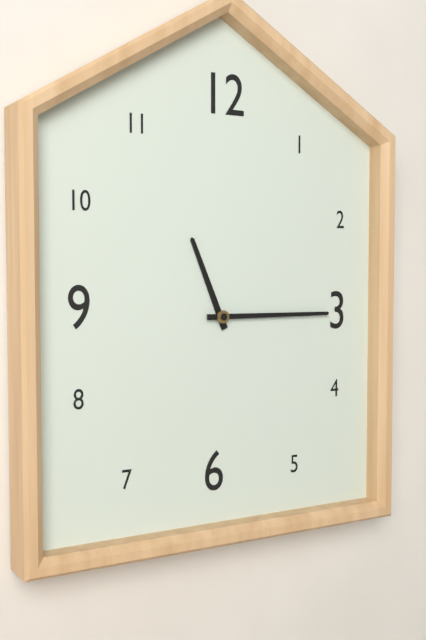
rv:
11 h 15 min
